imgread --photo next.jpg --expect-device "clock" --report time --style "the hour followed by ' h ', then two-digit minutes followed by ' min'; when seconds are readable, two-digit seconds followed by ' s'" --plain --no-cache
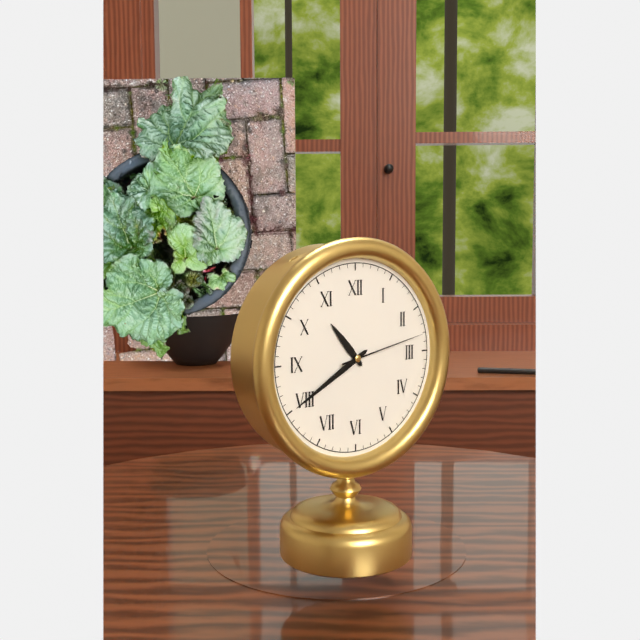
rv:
10 h 40 min 13 s
